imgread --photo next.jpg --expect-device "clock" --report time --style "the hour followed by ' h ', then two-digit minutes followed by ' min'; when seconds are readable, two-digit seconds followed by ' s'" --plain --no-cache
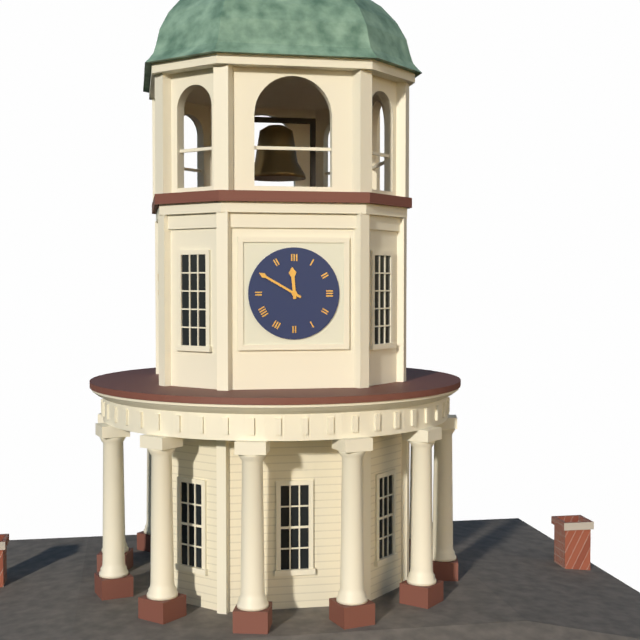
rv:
11 h 50 min
